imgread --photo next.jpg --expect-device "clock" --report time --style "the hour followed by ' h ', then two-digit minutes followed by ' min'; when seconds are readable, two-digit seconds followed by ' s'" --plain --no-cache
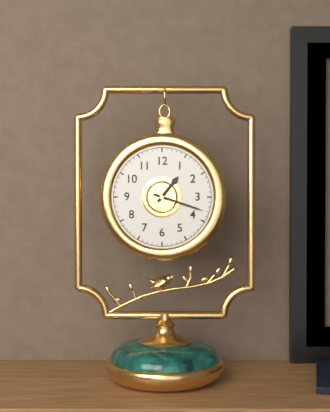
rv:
1 h 18 min
